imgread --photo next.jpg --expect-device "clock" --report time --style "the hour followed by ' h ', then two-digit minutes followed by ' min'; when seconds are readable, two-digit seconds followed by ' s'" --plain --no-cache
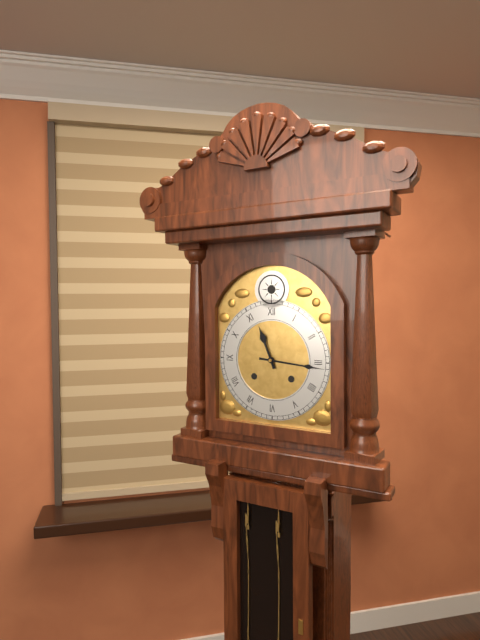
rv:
11 h 16 min
